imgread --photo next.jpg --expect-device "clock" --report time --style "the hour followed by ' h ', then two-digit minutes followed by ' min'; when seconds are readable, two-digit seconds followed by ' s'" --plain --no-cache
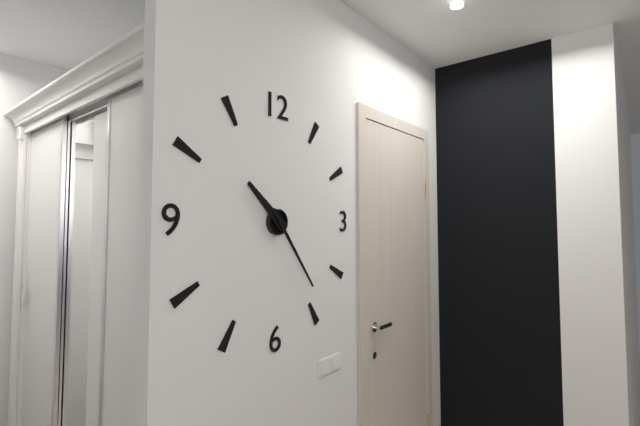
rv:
10 h 24 min
